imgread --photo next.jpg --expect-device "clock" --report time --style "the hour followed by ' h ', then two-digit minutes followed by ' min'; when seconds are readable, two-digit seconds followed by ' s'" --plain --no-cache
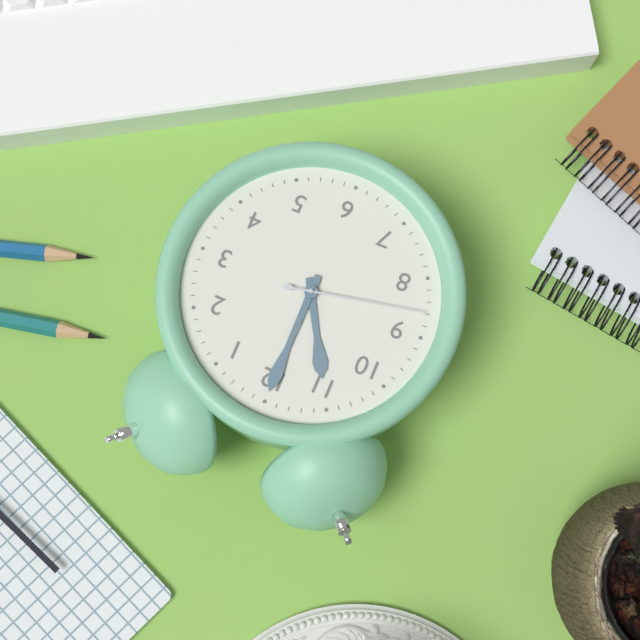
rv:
11 h 00 min 43 s
